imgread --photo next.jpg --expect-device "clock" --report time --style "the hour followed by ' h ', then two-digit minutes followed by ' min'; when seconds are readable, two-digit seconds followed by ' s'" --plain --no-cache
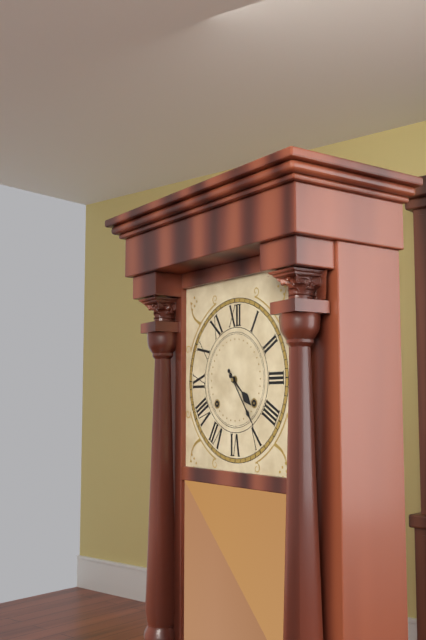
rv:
4 h 24 min
